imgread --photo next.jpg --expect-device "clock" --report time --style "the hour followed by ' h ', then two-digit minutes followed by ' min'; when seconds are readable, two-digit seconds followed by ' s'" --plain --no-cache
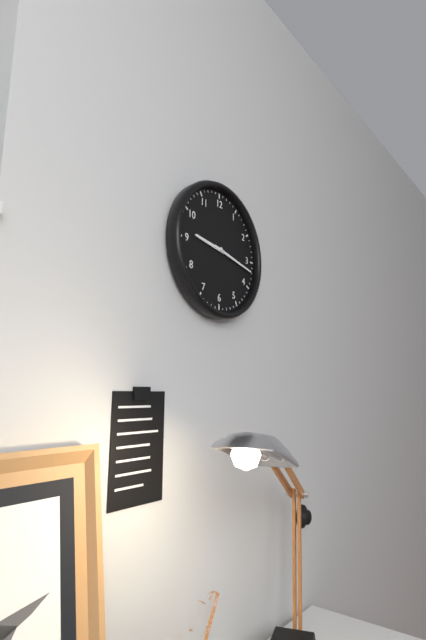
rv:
9 h 17 min
